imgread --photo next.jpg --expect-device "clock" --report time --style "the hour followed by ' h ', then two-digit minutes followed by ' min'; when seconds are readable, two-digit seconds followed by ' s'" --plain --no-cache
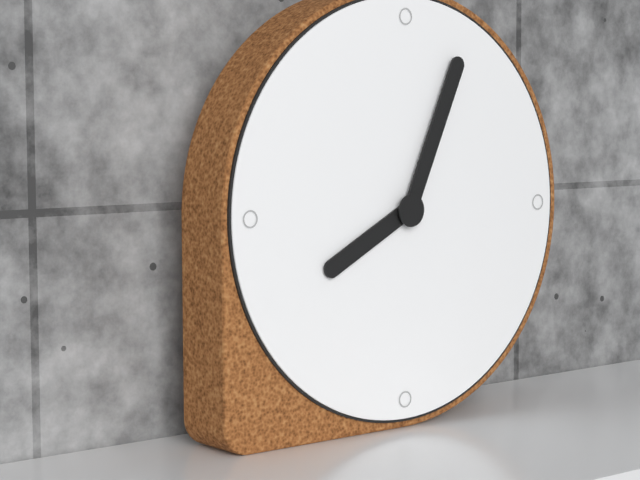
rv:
8 h 04 min
